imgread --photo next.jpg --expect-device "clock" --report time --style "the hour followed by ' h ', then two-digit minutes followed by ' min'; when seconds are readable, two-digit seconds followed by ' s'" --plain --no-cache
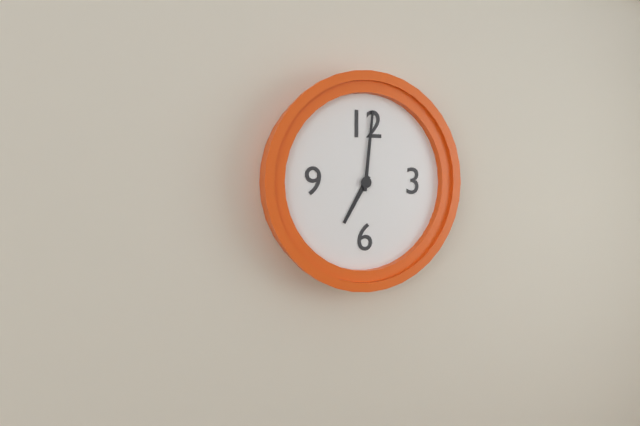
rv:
7 h 01 min
